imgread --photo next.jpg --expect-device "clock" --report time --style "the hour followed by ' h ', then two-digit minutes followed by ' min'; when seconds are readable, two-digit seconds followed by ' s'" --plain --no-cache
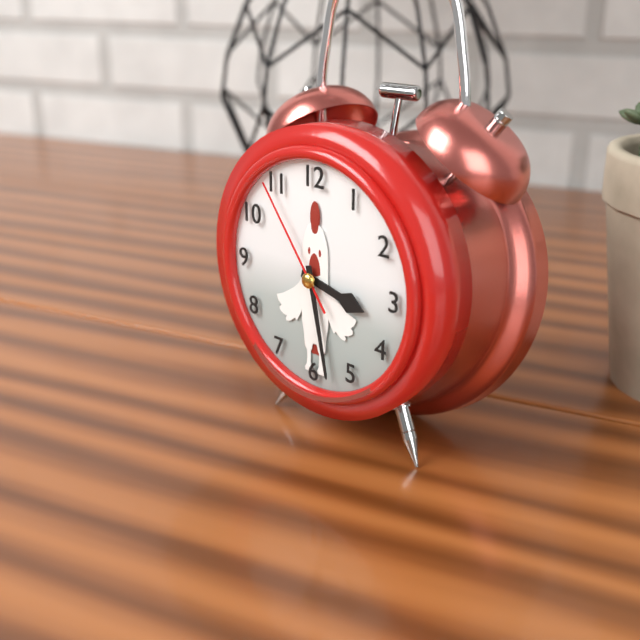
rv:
3 h 28 min 54 s
